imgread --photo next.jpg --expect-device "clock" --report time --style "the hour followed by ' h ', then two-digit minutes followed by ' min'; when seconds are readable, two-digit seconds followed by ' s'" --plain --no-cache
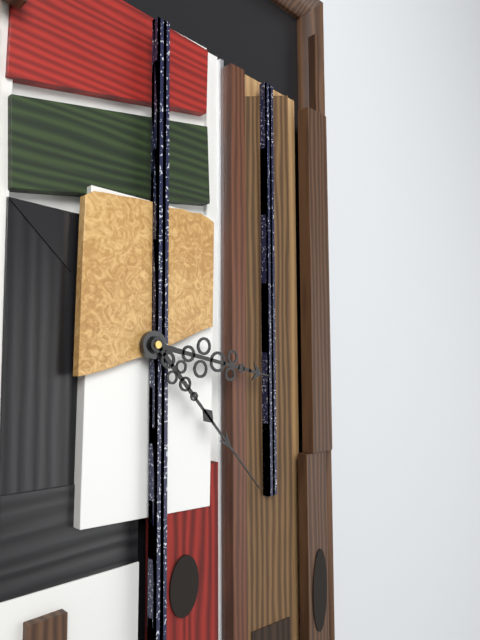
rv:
3 h 23 min
